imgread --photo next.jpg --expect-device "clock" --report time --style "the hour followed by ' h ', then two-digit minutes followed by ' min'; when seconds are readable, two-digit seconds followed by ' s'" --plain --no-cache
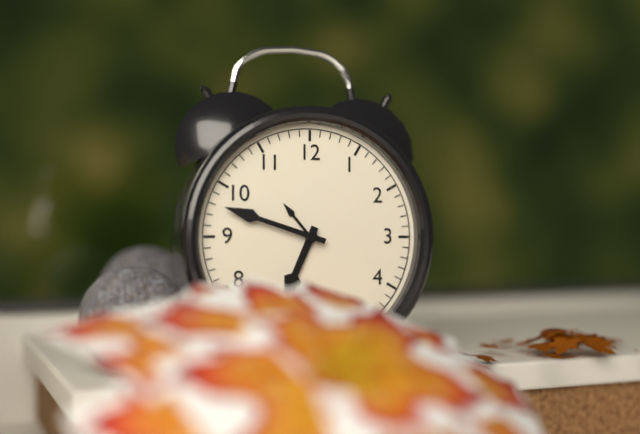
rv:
6 h 48 min
